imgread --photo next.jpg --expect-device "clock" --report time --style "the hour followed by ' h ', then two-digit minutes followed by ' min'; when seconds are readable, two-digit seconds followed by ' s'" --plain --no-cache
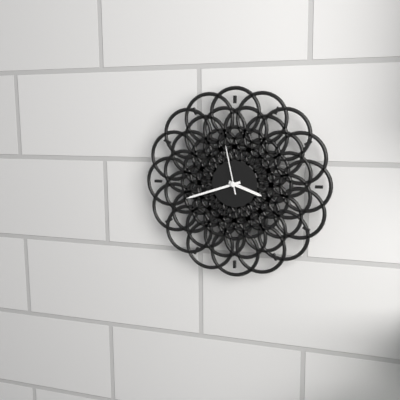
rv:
3 h 42 min 58 s
